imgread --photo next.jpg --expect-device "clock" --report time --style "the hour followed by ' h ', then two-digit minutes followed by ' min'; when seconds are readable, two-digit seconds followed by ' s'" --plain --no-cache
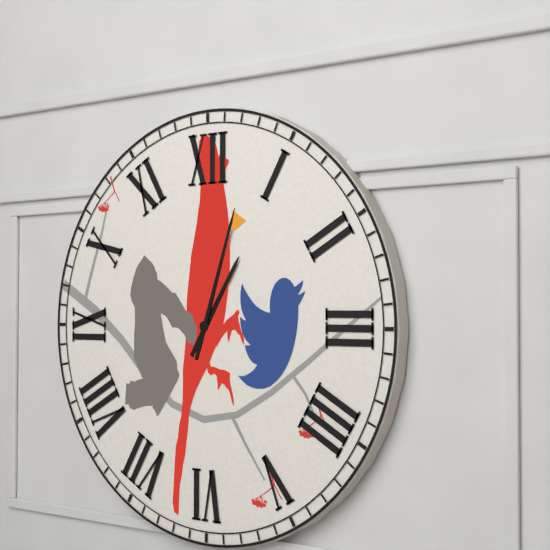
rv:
1 h 03 min
